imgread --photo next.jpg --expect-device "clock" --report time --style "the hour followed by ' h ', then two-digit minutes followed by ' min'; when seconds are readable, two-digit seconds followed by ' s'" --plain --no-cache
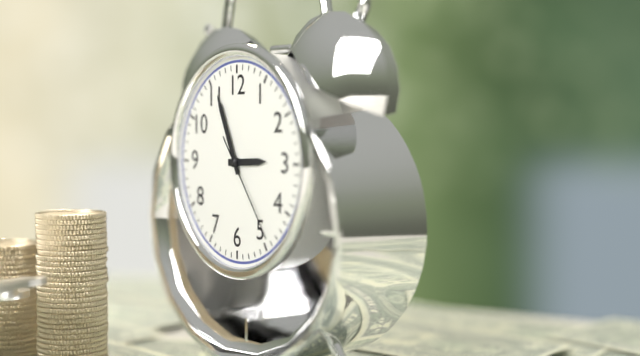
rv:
2 h 56 min 24 s
